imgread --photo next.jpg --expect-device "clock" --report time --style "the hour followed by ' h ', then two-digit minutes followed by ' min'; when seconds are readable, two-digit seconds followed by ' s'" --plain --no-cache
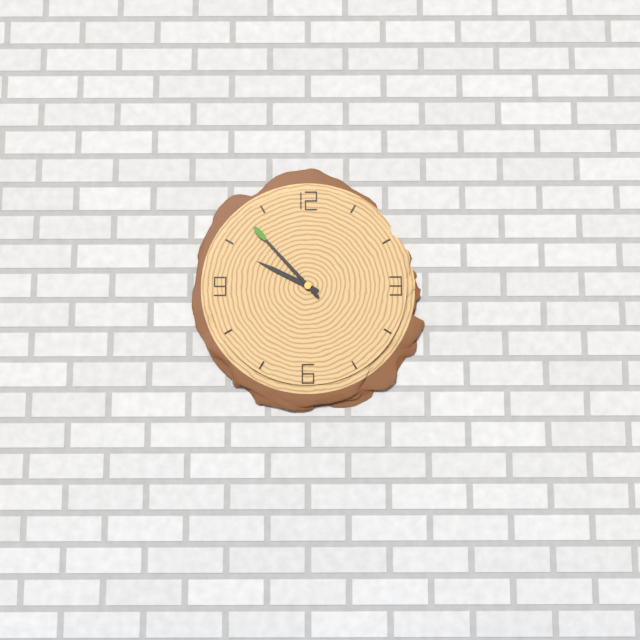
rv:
9 h 53 min
